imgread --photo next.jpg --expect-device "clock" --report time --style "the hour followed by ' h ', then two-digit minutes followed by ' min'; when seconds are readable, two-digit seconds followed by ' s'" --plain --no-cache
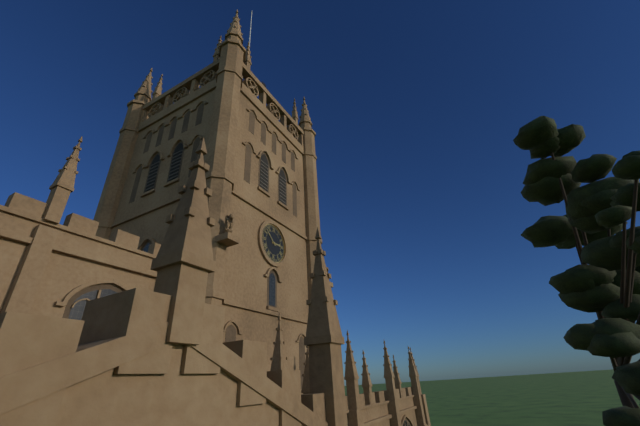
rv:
2 h 52 min
